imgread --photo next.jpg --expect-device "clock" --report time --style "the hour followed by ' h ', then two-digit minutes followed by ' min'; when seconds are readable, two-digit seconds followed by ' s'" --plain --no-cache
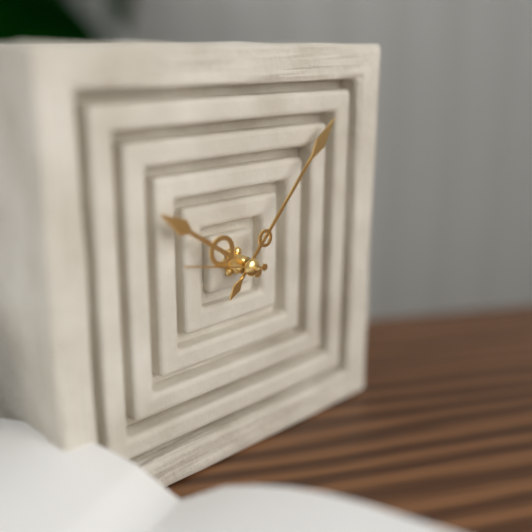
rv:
10 h 07 min 47 s
